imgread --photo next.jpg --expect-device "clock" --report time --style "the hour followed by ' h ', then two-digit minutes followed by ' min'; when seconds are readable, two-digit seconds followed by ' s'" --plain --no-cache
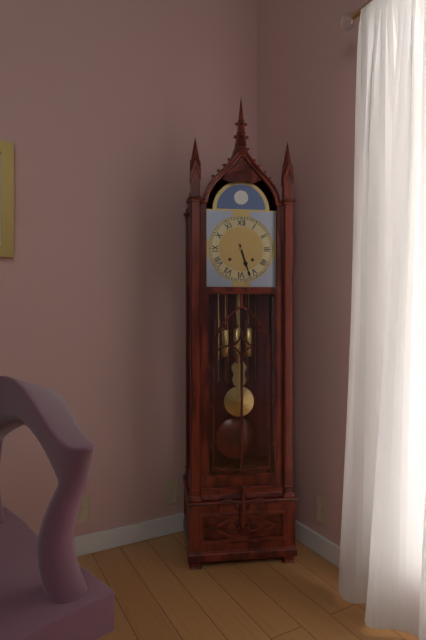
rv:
5 h 27 min
